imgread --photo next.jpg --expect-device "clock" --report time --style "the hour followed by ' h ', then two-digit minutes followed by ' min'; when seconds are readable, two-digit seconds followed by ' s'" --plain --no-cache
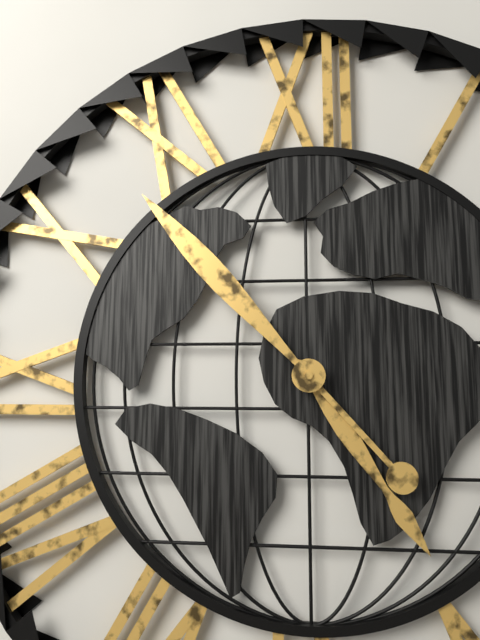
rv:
4 h 53 min
